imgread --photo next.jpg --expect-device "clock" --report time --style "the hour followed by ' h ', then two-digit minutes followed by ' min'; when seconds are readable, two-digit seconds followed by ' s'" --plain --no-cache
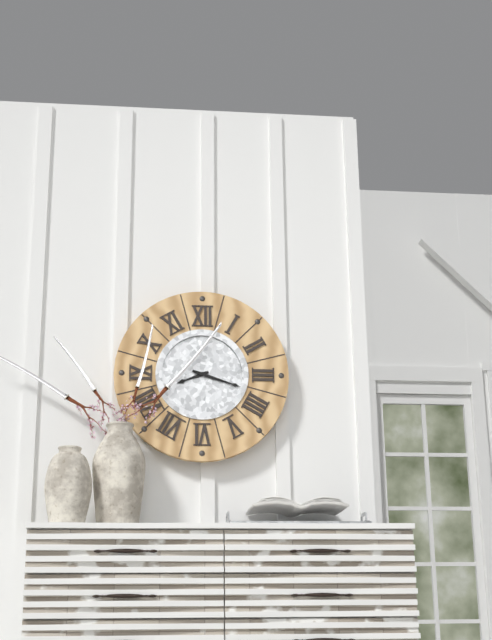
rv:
8 h 18 min
